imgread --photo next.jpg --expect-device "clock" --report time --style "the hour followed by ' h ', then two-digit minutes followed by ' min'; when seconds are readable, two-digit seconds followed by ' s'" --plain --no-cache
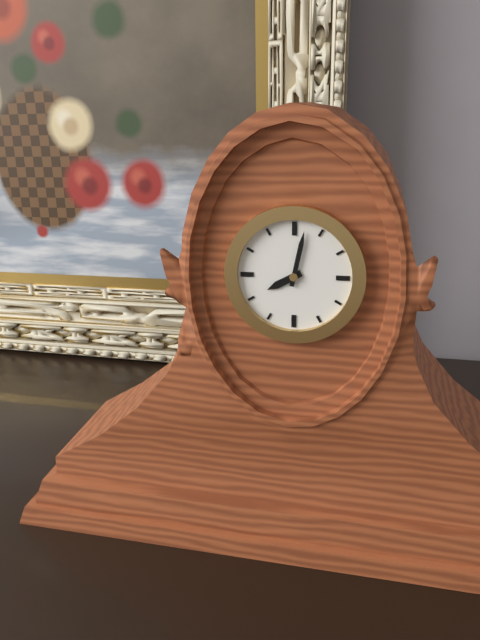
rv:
8 h 02 min
